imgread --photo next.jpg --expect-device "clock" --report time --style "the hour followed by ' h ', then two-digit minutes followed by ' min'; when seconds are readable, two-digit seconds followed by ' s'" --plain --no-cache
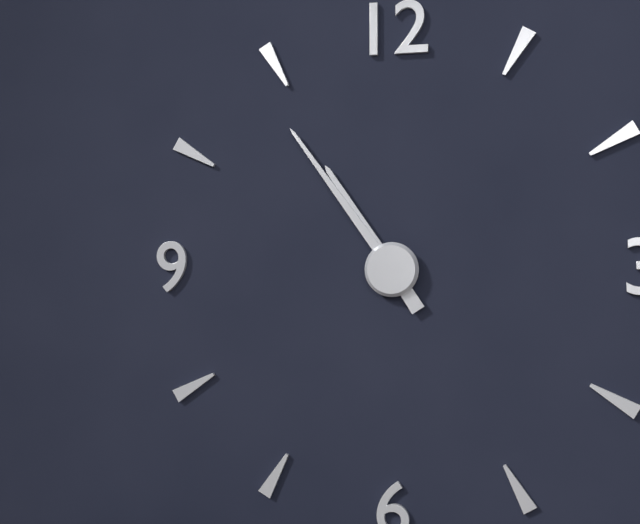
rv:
10 h 54 min
